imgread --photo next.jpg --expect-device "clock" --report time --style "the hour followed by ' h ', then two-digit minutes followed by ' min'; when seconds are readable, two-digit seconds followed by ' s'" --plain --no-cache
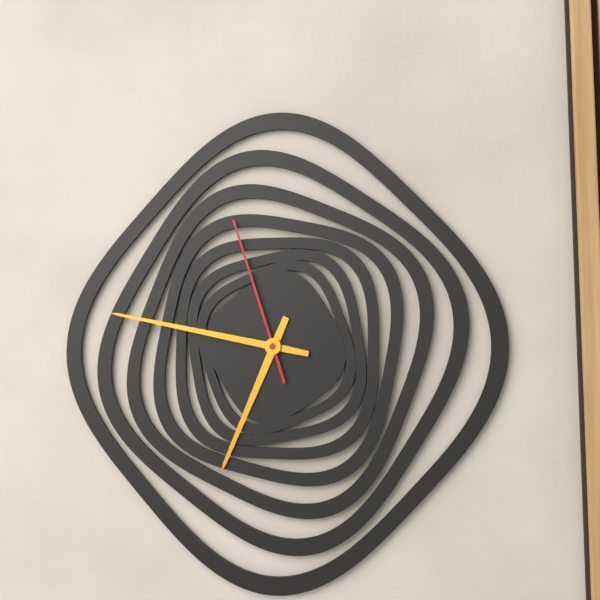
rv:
6 h 47 min 57 s
